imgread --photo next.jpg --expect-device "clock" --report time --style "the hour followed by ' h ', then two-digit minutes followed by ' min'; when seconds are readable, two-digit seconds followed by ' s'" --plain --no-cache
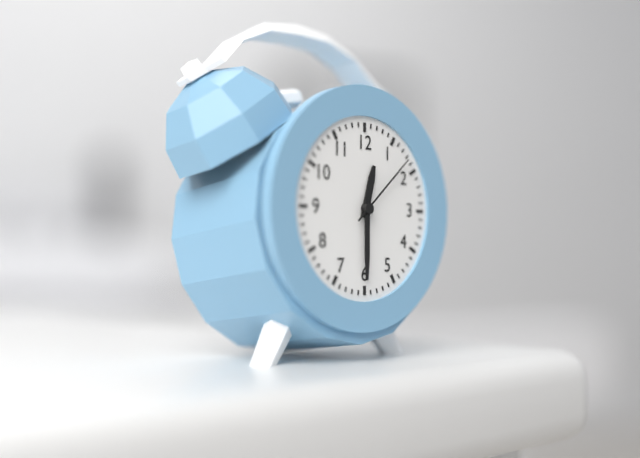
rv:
12 h 30 min 08 s
